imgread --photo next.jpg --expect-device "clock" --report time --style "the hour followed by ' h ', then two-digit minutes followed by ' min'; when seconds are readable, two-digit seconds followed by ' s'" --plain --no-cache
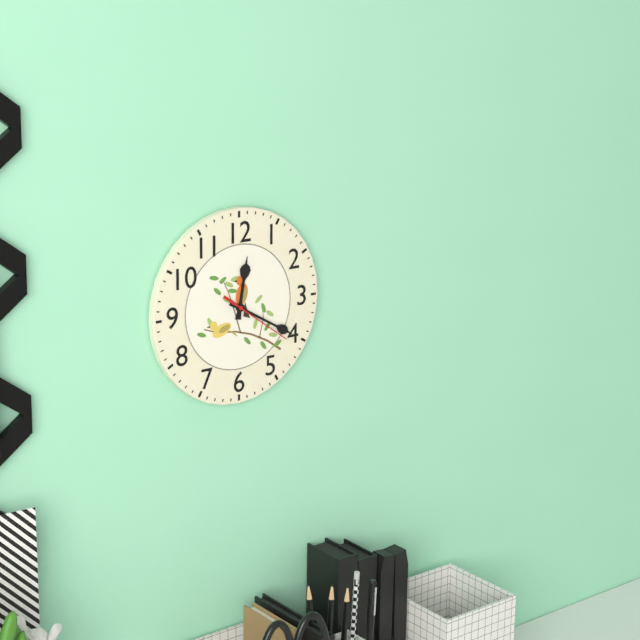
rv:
12 h 20 min 21 s
